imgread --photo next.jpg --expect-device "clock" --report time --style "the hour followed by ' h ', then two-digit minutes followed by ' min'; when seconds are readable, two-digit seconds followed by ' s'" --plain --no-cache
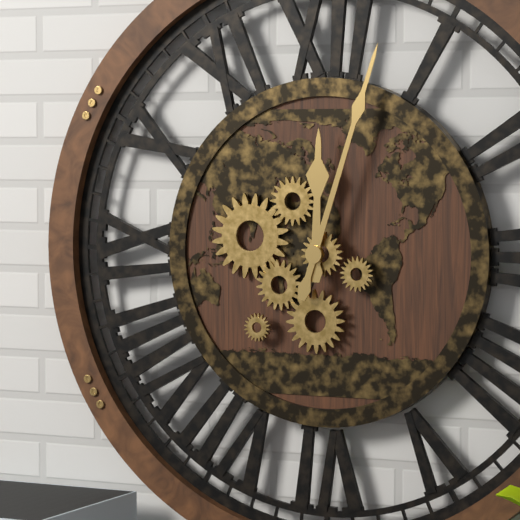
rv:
12 h 03 min
